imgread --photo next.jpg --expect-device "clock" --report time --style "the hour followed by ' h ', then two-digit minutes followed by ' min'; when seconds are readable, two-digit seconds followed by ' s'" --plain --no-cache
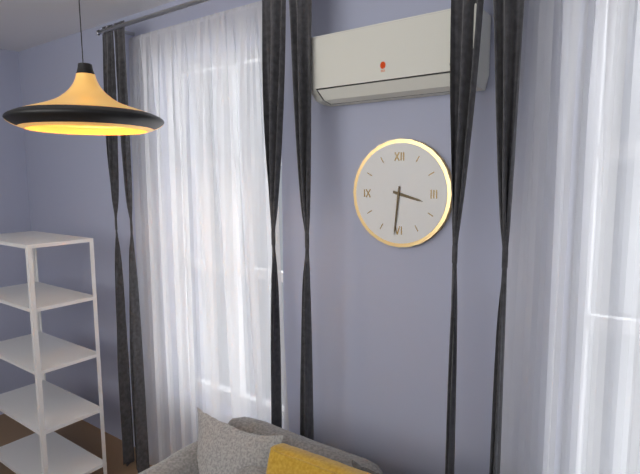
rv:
3 h 31 min
